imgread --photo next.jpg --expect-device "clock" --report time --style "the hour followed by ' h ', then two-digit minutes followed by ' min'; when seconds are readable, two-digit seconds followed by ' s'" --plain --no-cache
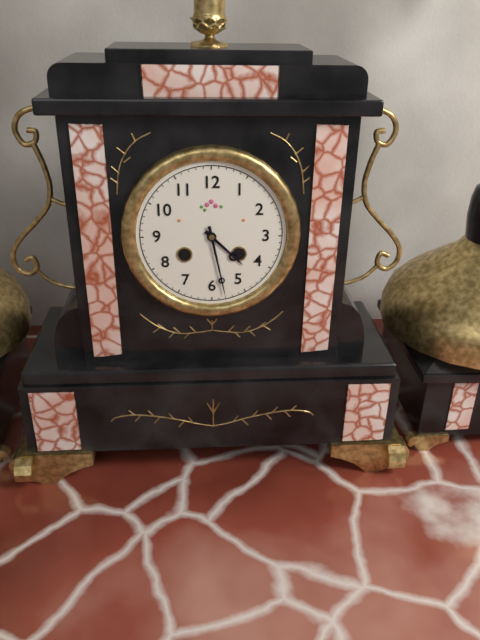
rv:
4 h 28 min
